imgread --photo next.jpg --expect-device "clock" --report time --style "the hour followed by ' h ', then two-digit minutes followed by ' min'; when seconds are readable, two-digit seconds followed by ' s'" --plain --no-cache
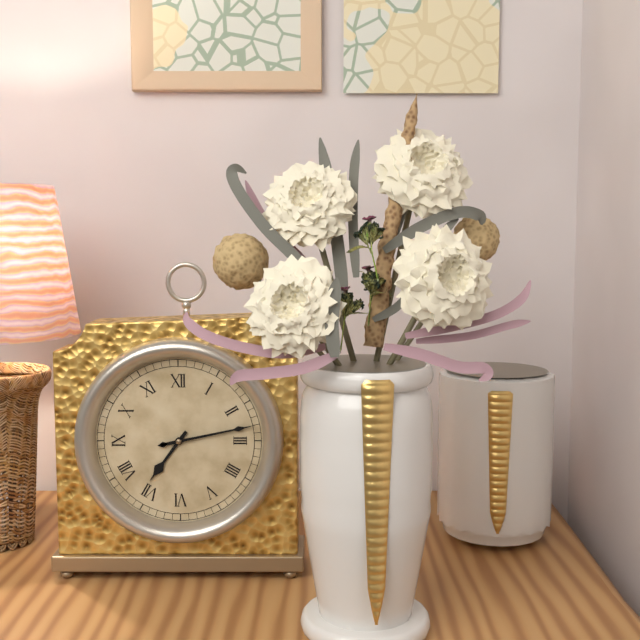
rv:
7 h 13 min
